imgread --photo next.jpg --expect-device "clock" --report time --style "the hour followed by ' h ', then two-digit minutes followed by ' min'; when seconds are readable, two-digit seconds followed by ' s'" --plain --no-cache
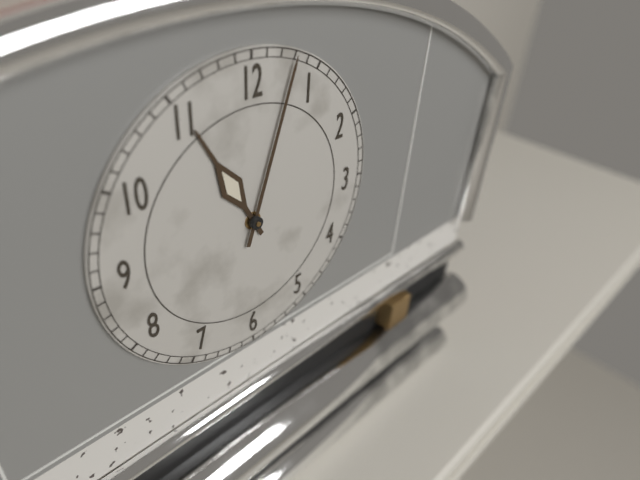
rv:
11 h 03 min
